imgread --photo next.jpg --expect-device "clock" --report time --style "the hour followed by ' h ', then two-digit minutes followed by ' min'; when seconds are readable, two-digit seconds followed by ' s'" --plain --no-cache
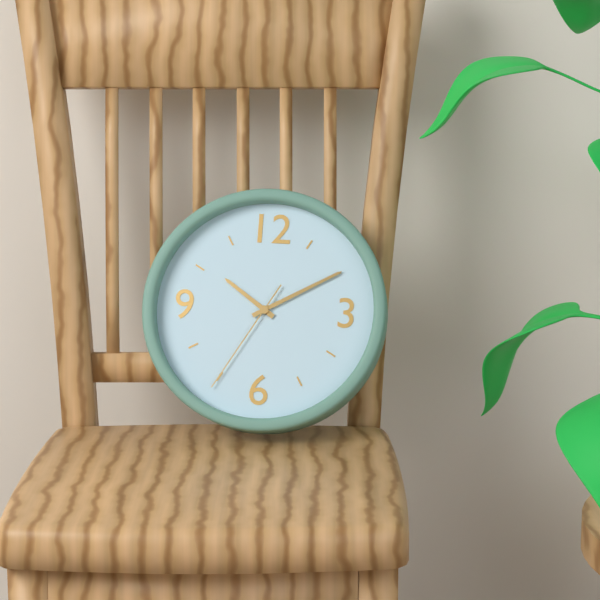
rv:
10 h 10 min 35 s
